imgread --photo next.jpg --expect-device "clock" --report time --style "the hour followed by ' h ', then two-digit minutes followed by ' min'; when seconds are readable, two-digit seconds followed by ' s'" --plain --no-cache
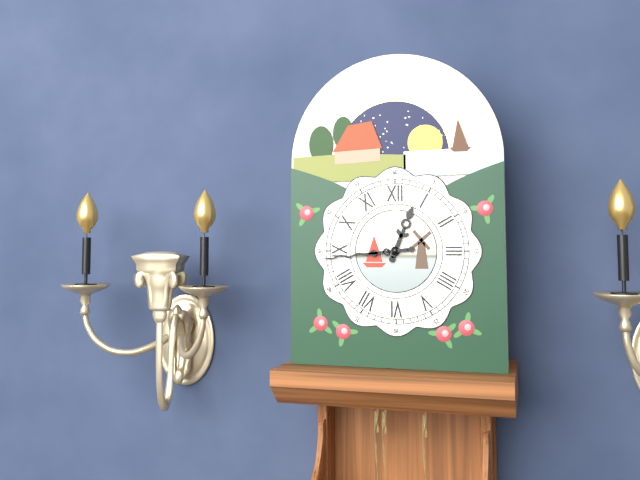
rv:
12 h 44 min
